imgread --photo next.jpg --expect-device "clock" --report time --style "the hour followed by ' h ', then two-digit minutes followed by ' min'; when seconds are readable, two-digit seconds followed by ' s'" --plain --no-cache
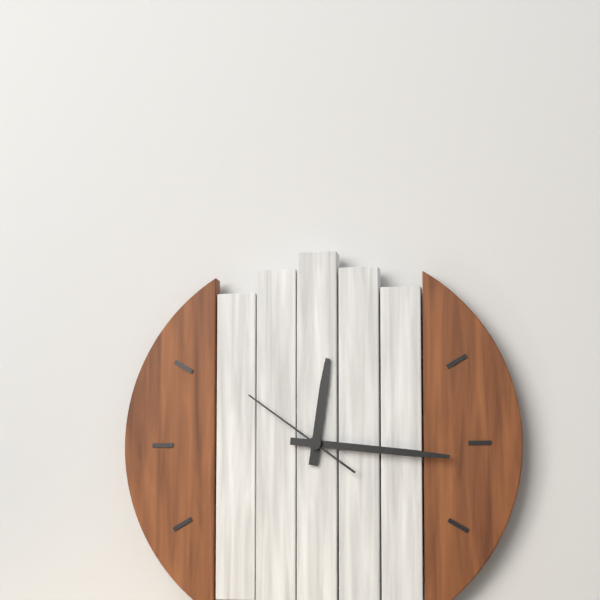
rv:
12 h 16 min 51 s
